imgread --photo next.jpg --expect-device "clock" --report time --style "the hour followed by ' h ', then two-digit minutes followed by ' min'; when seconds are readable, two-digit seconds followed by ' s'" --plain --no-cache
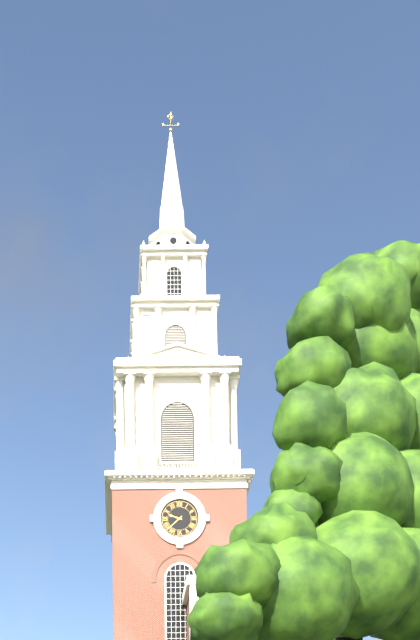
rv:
9 h 38 min
